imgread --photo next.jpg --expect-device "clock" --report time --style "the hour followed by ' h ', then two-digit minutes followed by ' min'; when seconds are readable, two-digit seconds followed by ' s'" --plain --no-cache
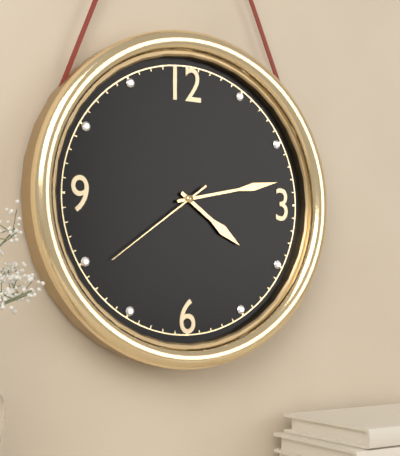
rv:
4 h 13 min 39 s
